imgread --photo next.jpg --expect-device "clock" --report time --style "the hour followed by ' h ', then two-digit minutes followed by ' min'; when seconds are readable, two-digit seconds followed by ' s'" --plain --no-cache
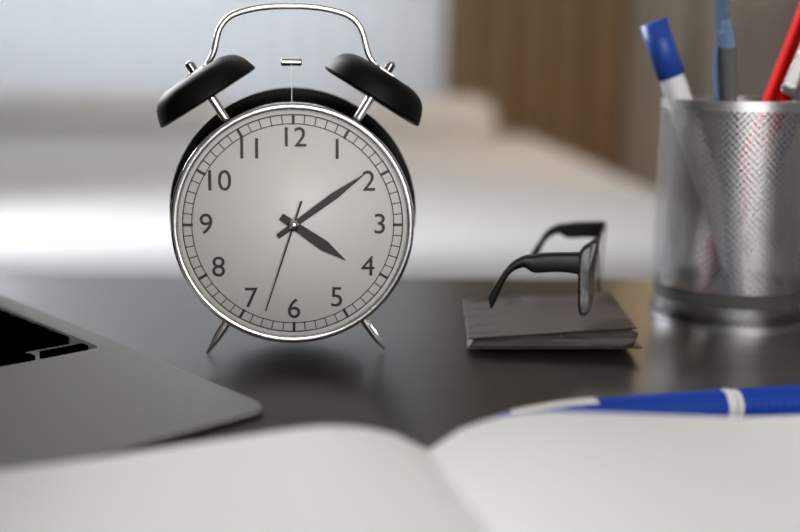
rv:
4 h 09 min 33 s
